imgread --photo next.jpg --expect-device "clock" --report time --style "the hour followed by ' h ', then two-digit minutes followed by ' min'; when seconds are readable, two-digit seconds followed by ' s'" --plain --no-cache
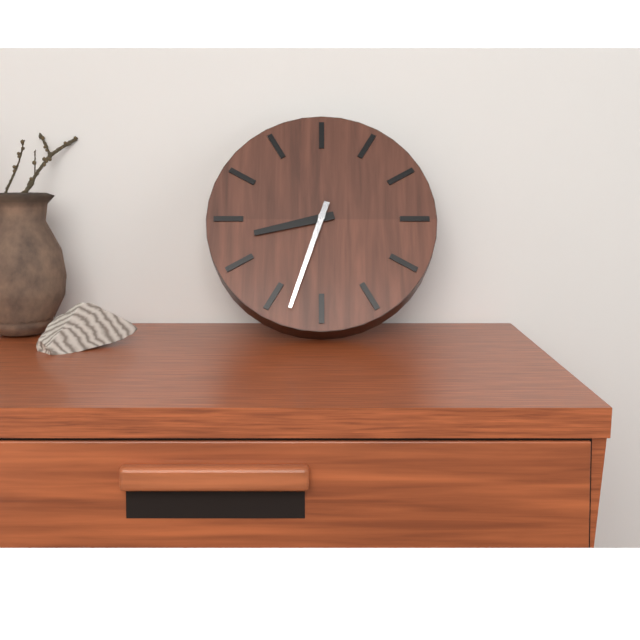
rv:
8 h 33 min
